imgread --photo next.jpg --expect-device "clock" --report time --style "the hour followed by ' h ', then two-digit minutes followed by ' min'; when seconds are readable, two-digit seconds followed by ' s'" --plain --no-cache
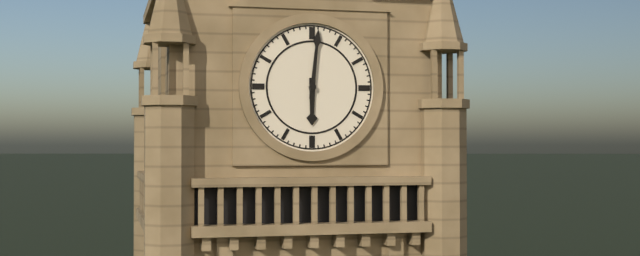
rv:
6 h 01 min
